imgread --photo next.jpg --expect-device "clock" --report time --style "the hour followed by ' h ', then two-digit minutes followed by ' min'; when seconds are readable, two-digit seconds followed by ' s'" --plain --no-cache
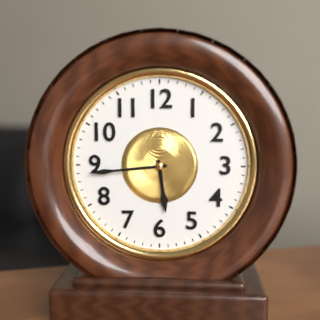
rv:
5 h 44 min
